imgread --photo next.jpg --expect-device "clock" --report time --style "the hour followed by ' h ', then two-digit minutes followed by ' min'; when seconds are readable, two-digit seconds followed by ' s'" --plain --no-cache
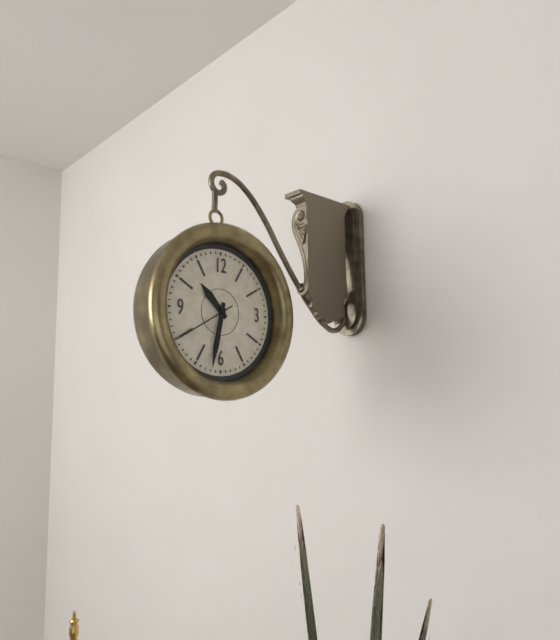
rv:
10 h 32 min 40 s
